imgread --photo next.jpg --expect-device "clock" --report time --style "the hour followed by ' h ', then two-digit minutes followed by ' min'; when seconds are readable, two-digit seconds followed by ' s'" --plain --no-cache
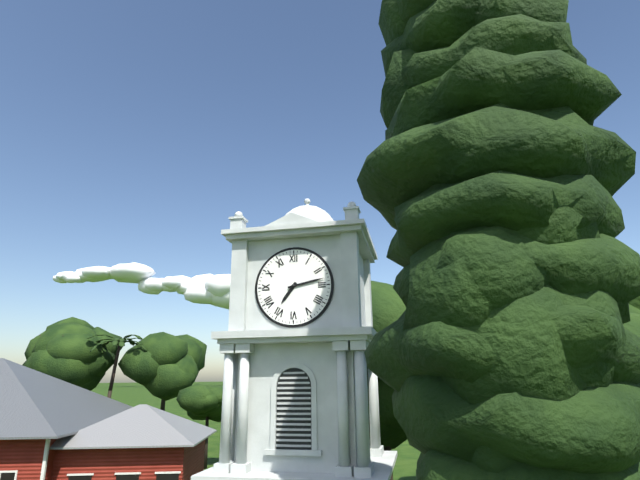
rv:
7 h 13 min
